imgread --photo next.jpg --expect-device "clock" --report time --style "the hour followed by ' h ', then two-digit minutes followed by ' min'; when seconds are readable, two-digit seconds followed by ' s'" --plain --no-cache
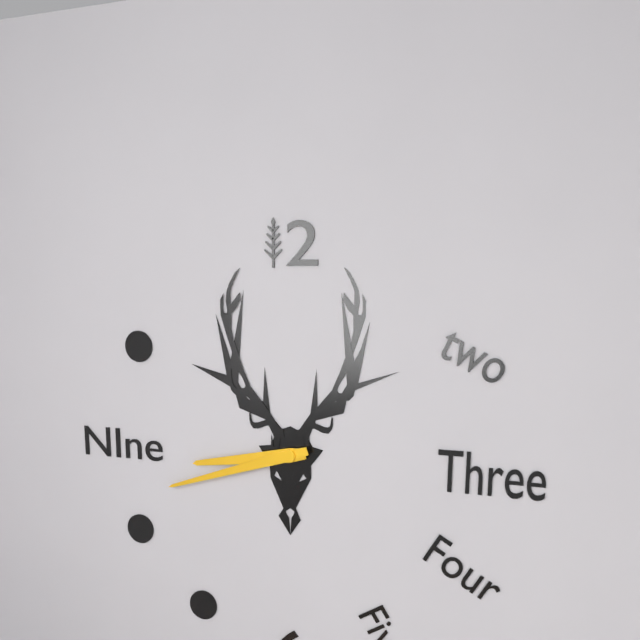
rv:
8 h 42 min
